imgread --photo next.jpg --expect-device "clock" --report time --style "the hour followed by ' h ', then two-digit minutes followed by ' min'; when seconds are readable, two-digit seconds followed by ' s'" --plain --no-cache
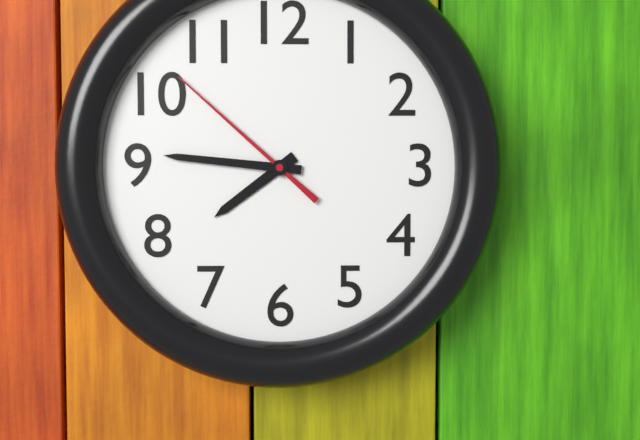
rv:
7 h 46 min 52 s
